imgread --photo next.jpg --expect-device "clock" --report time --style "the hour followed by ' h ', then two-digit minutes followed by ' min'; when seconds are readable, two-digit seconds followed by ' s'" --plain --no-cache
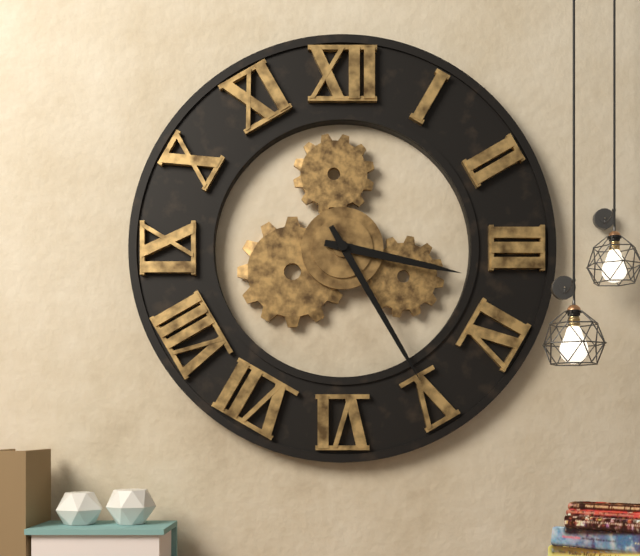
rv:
3 h 25 min
